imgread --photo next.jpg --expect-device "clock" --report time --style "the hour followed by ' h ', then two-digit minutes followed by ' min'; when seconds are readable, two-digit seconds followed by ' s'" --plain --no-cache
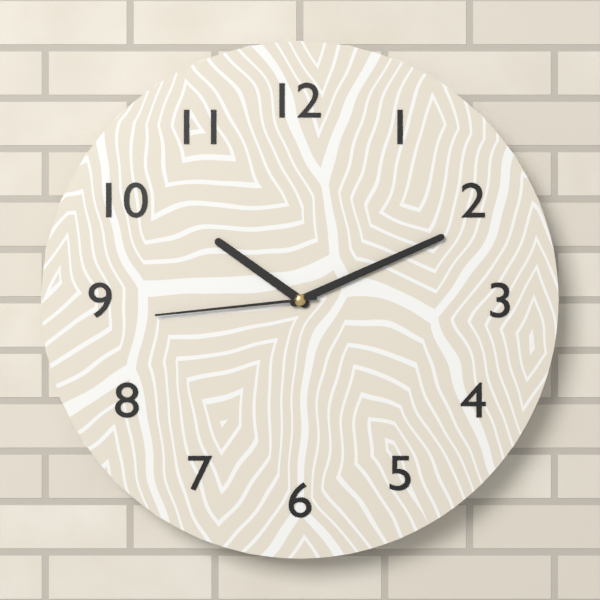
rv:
10 h 11 min 44 s
